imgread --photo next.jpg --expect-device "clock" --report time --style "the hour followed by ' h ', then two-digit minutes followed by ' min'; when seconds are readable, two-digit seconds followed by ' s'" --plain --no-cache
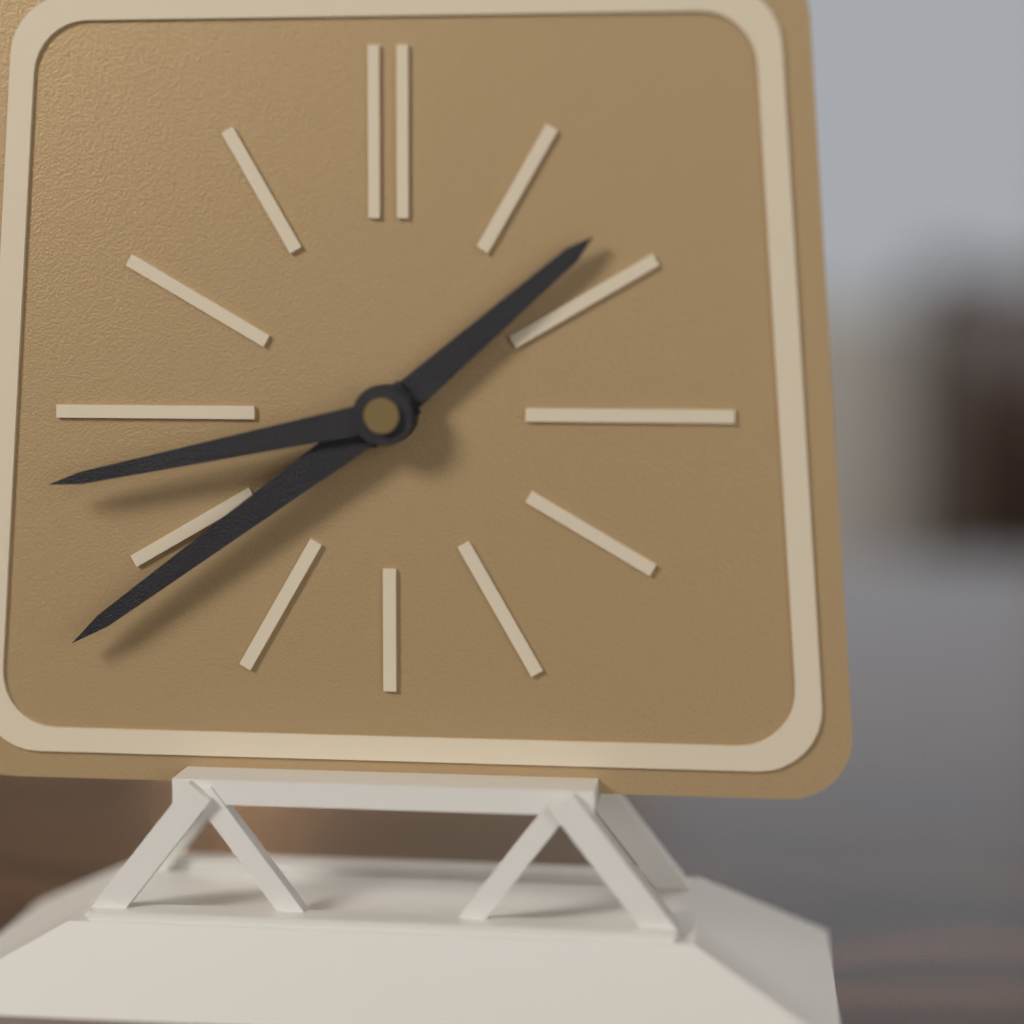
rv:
1 h 39 min 43 s
